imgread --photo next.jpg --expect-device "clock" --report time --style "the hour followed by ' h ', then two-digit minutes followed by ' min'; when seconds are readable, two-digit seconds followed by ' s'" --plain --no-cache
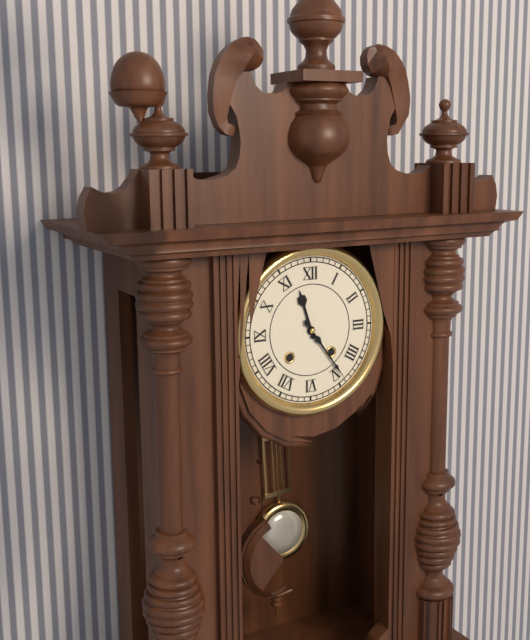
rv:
11 h 24 min
